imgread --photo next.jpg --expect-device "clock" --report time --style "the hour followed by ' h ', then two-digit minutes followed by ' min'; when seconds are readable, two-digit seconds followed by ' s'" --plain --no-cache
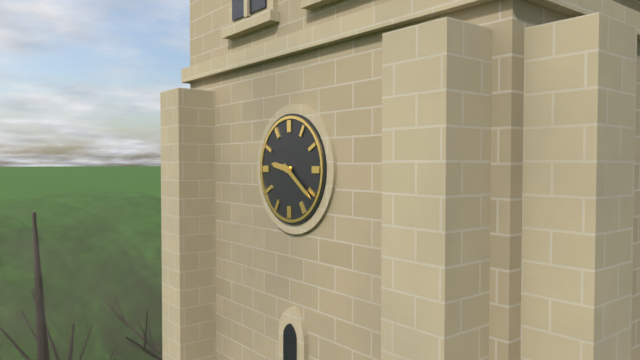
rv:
9 h 21 min
